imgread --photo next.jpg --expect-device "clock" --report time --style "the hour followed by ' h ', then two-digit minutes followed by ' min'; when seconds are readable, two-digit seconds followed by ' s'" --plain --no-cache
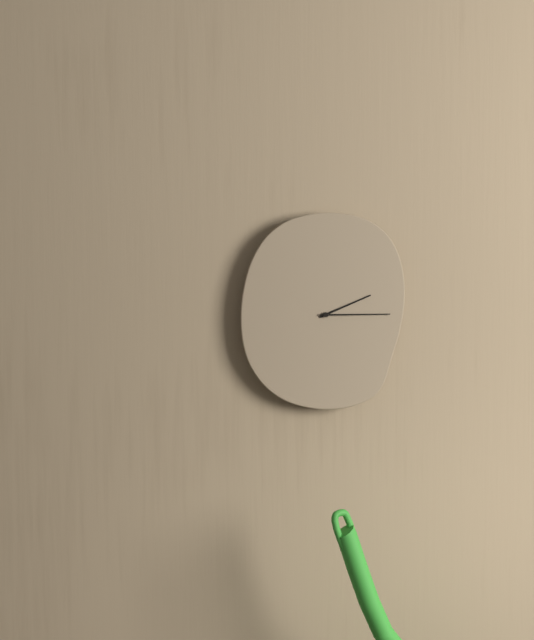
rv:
2 h 15 min
